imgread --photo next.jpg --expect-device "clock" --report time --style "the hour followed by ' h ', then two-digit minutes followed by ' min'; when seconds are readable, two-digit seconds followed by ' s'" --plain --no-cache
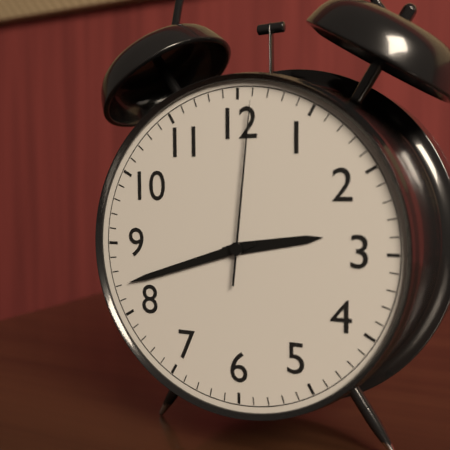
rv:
2 h 42 min 01 s
